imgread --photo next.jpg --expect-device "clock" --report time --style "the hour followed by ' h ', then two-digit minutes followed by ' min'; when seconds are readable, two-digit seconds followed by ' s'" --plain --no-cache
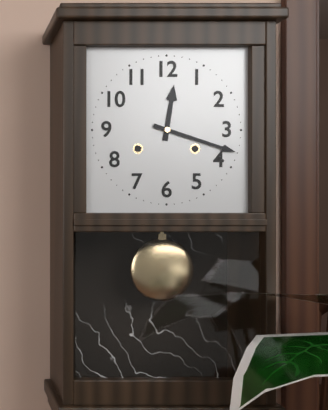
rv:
12 h 18 min
